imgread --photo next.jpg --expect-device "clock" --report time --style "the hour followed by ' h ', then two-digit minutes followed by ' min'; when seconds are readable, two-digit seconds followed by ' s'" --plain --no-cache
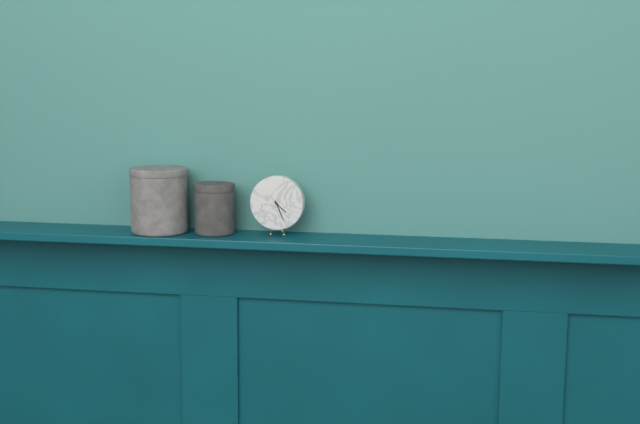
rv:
4 h 26 min
